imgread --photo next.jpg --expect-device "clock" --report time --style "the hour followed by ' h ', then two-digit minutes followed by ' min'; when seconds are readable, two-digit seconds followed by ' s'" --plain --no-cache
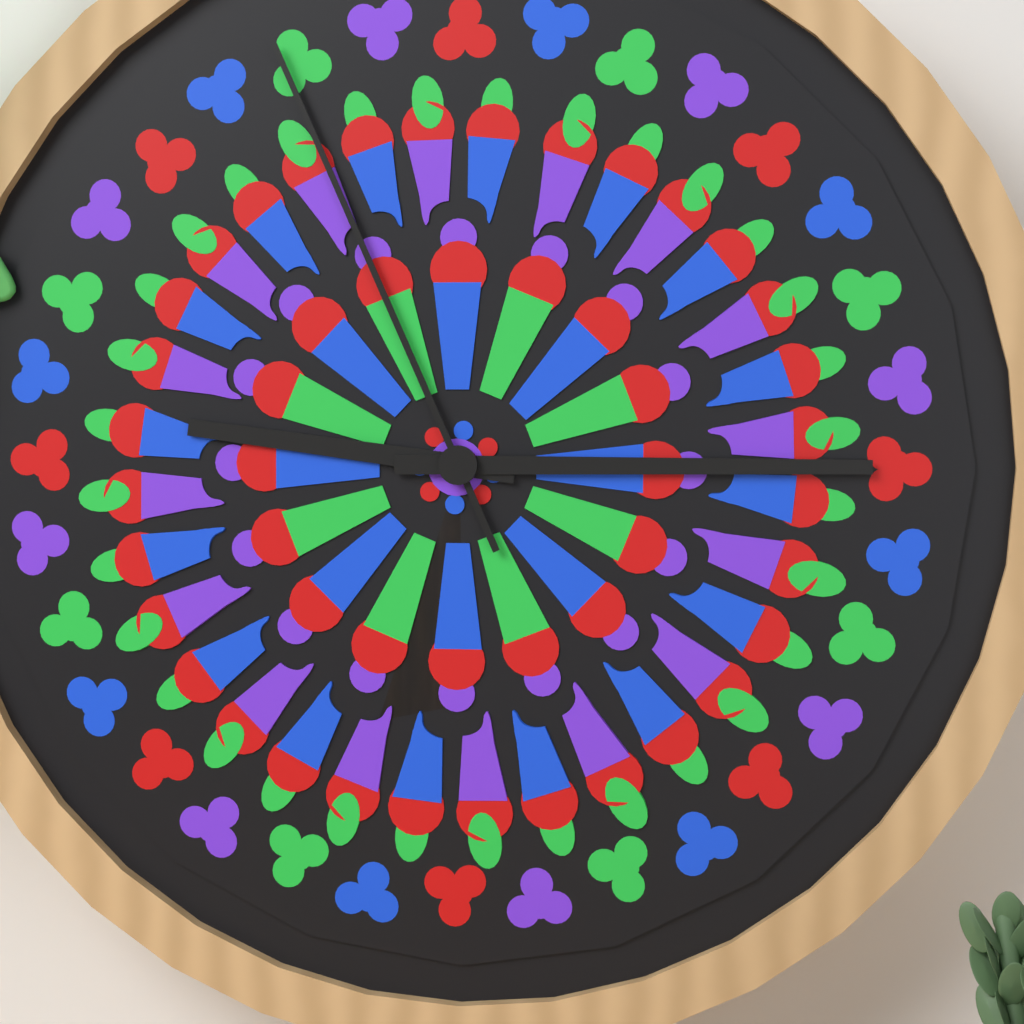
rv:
9 h 15 min 56 s
